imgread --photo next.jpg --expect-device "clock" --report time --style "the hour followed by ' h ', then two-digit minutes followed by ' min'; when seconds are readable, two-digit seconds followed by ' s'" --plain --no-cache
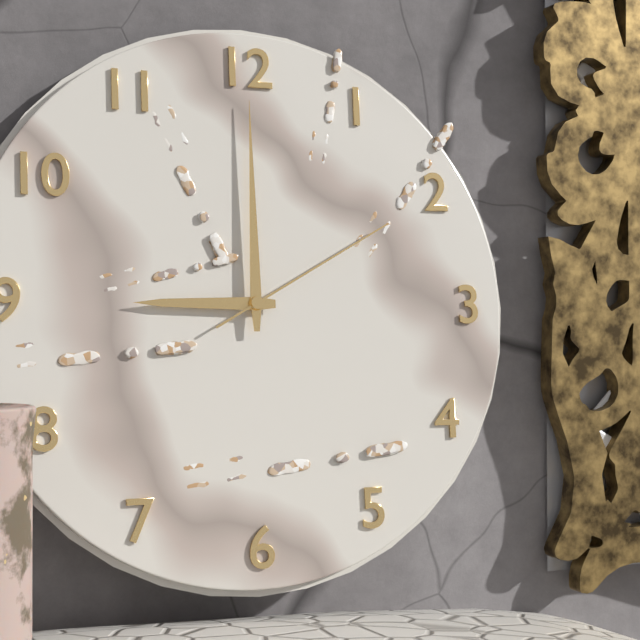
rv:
9 h 00 min 10 s
